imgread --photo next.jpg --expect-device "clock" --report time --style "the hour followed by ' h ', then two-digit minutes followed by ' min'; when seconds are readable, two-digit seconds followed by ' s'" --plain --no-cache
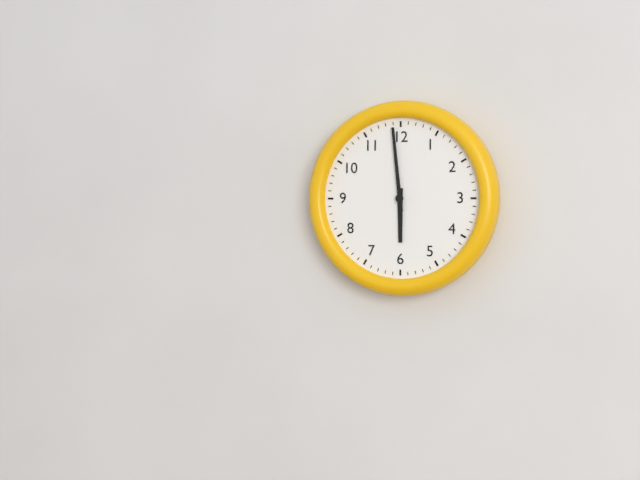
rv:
5 h 59 min
